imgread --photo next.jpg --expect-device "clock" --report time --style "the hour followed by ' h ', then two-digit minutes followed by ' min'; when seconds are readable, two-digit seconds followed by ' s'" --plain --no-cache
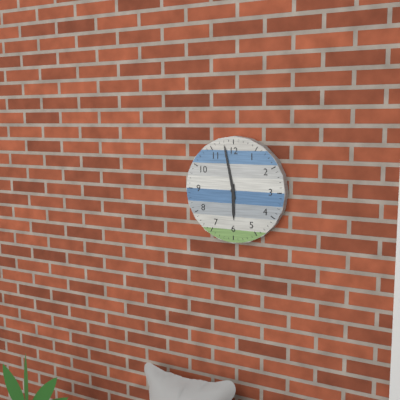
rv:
5 h 58 min
